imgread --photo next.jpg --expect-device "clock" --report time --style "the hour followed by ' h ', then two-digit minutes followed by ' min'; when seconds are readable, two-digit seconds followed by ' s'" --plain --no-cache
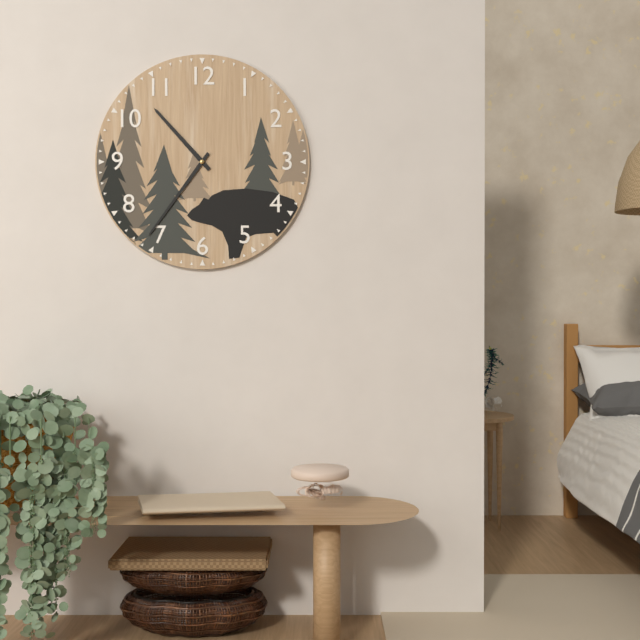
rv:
10 h 36 min
